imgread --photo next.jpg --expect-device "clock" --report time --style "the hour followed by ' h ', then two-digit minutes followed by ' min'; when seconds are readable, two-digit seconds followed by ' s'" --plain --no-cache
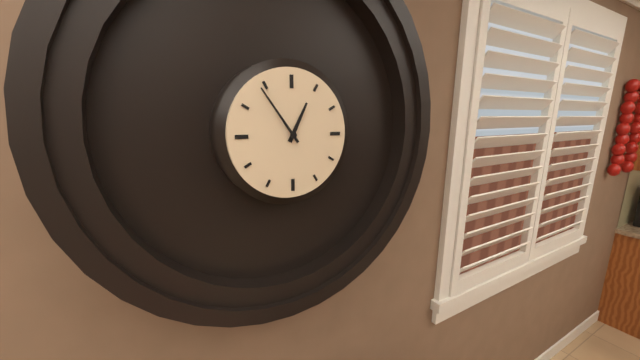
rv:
12 h 54 min
